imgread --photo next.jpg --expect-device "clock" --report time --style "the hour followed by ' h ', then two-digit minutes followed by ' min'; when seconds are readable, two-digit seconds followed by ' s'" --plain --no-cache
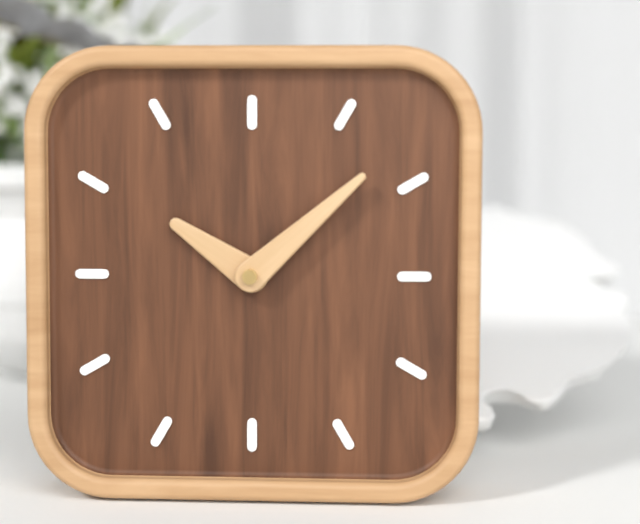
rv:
10 h 08 min
